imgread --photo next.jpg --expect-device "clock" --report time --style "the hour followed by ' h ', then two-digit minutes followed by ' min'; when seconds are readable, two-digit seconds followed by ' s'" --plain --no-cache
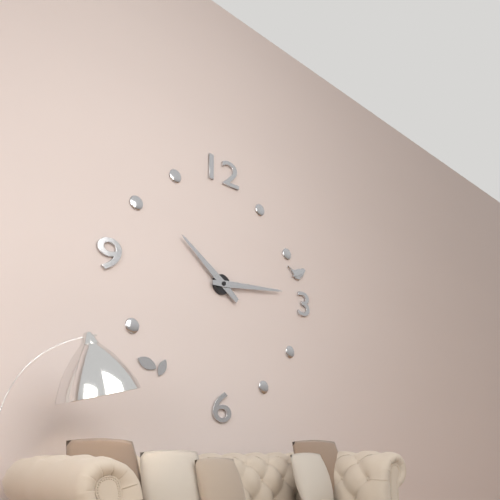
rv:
10 h 14 min
